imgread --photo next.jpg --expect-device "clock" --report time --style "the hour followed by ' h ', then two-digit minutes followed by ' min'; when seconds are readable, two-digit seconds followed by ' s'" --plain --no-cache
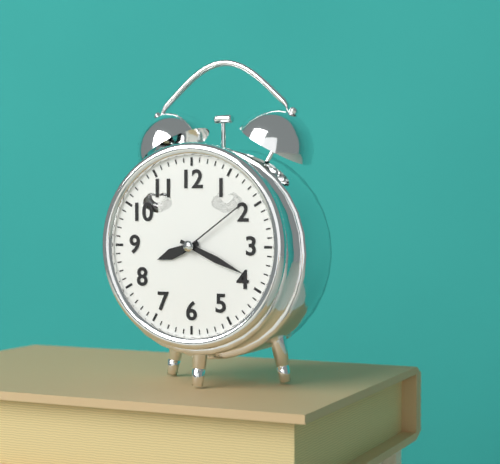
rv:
8 h 19 min 09 s
